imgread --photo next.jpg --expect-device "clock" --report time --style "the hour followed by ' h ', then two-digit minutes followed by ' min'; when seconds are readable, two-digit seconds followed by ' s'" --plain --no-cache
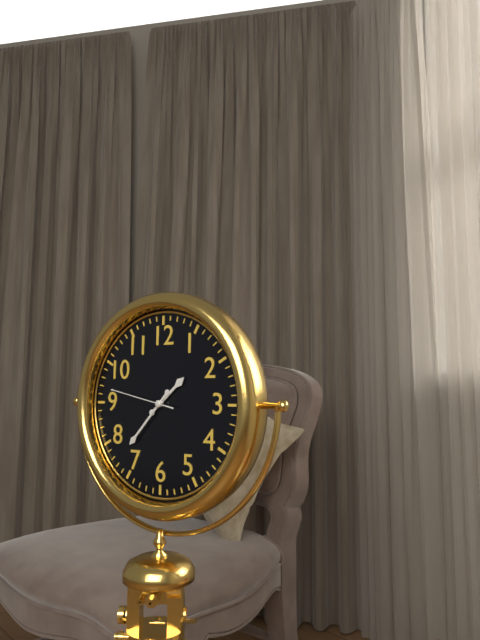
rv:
1 h 37 min 47 s
